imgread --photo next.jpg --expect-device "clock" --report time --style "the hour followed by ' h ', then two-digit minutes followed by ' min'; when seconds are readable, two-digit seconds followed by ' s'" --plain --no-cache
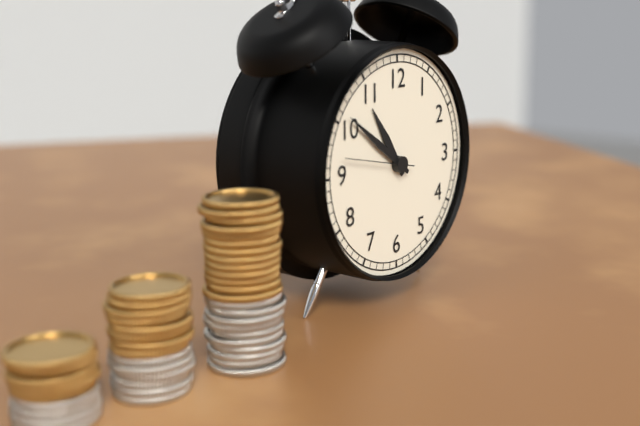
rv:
10 h 51 min 47 s
